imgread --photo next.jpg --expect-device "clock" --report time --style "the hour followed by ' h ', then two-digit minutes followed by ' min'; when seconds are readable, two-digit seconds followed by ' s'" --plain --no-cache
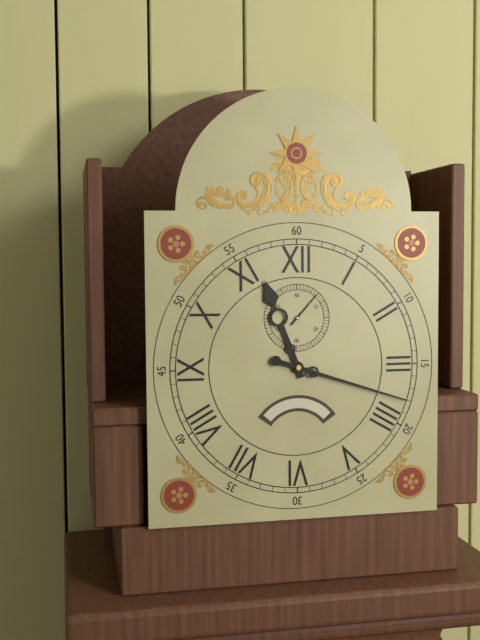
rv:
11 h 18 min
